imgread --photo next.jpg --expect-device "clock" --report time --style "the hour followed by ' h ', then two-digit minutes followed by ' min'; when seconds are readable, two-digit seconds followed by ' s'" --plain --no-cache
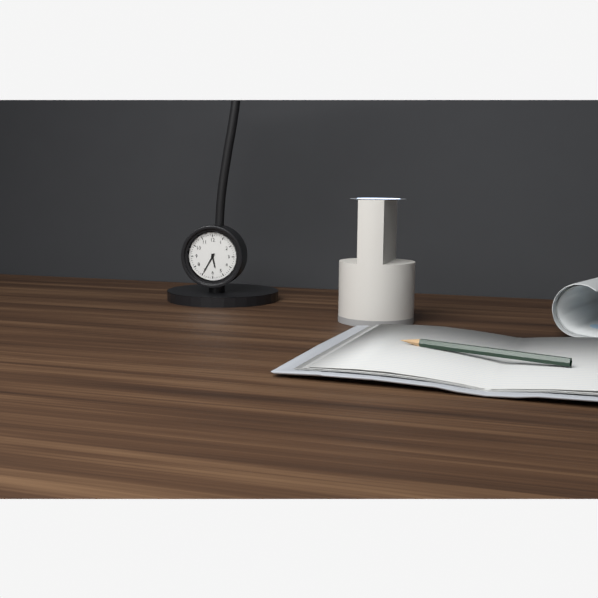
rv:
5 h 35 min
